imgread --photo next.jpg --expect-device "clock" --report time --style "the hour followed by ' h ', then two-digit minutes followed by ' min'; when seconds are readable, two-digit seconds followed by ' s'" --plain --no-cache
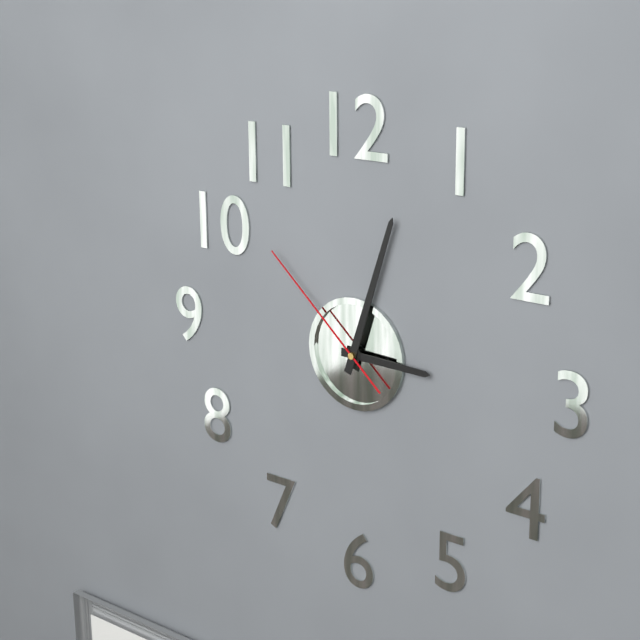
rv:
3 h 03 min 52 s
